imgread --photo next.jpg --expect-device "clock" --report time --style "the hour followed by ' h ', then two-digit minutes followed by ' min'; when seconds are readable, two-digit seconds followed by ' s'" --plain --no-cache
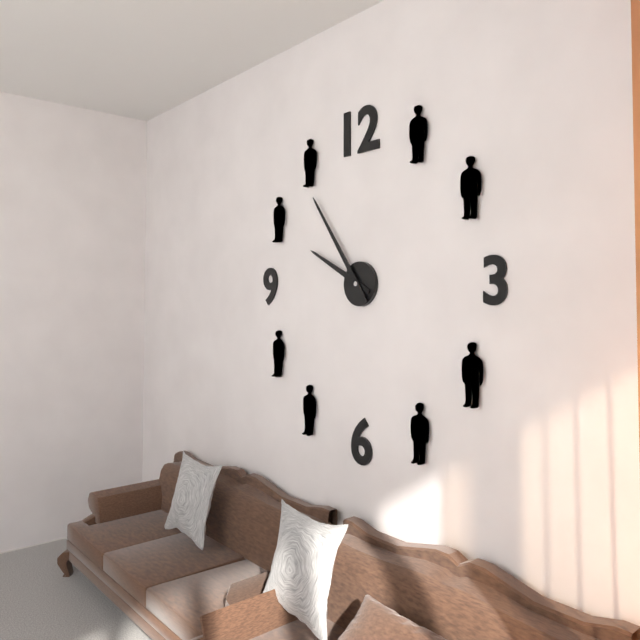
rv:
9 h 54 min
